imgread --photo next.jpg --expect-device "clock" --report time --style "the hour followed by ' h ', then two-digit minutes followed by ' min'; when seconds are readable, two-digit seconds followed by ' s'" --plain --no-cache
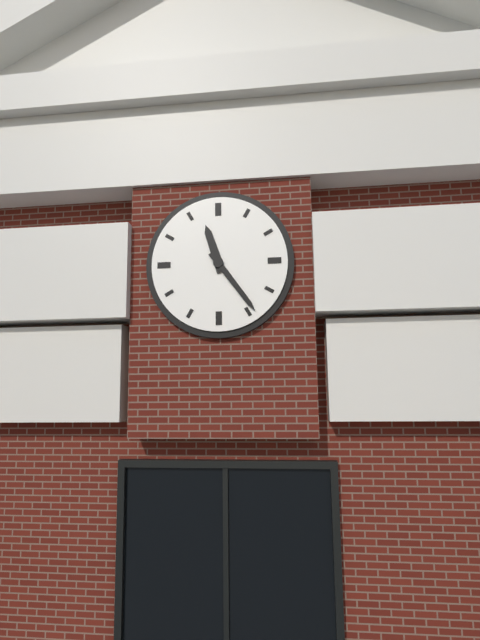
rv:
11 h 24 min
